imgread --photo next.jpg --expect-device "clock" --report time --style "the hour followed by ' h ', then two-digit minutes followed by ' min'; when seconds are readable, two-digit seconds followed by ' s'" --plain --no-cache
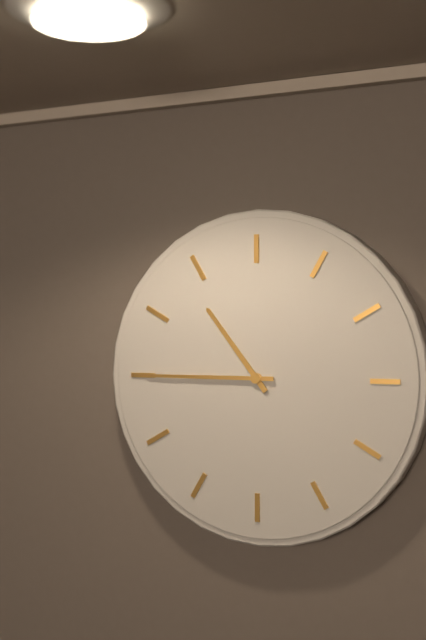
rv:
10 h 45 min
